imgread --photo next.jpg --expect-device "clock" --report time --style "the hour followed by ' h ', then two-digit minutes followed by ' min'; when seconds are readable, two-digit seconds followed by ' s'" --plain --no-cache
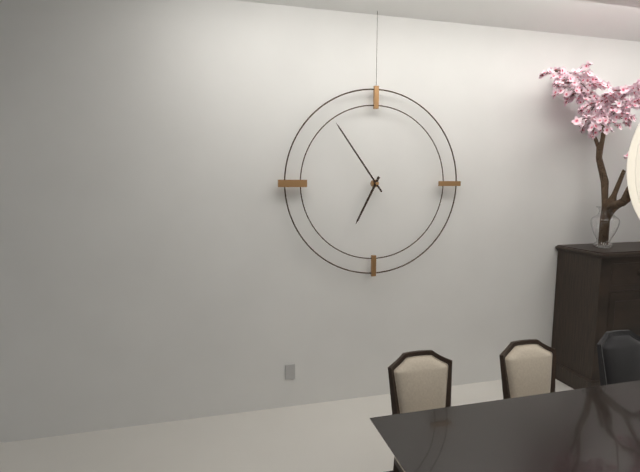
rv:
6 h 54 min
